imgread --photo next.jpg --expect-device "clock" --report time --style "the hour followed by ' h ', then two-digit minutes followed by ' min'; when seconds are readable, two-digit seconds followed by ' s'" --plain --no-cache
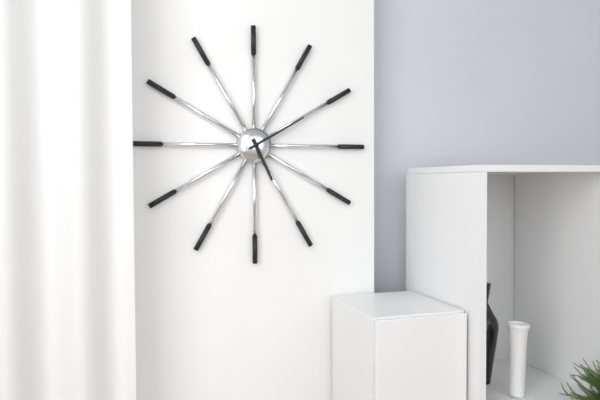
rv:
5 h 10 min
